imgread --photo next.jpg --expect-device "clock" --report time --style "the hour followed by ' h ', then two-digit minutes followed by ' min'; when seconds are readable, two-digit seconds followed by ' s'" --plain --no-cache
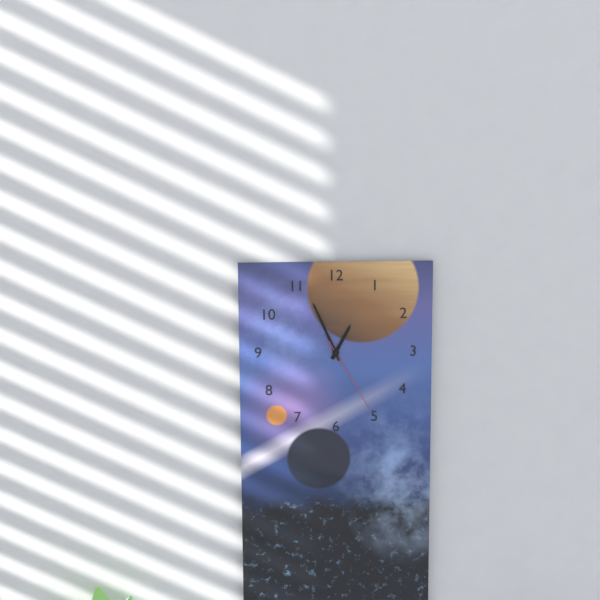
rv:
12 h 56 min 25 s
